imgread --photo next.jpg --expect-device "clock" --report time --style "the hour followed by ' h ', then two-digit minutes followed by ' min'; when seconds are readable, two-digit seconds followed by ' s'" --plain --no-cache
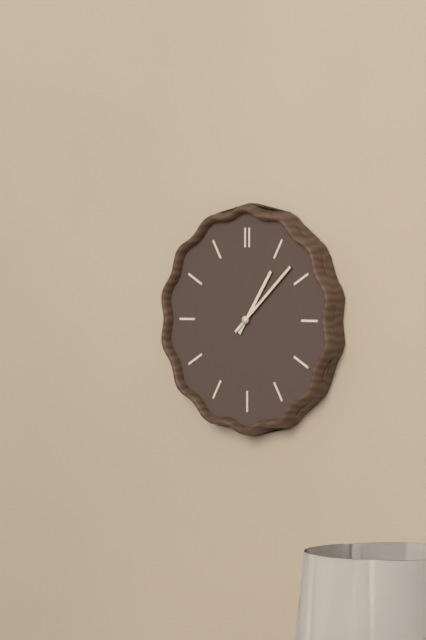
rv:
1 h 08 min
